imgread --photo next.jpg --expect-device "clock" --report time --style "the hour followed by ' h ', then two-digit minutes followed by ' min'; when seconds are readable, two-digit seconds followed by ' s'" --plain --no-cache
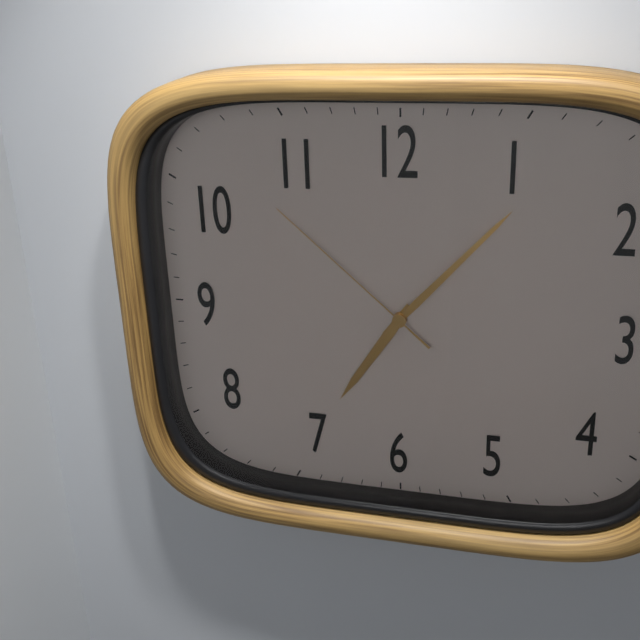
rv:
7 h 07 min 52 s
